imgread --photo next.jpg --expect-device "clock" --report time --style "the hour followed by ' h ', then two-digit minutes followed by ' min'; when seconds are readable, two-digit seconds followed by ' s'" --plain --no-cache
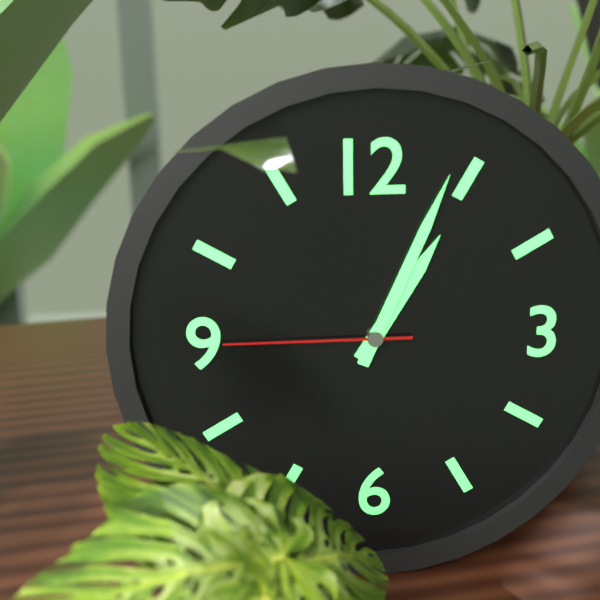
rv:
1 h 04 min 45 s
